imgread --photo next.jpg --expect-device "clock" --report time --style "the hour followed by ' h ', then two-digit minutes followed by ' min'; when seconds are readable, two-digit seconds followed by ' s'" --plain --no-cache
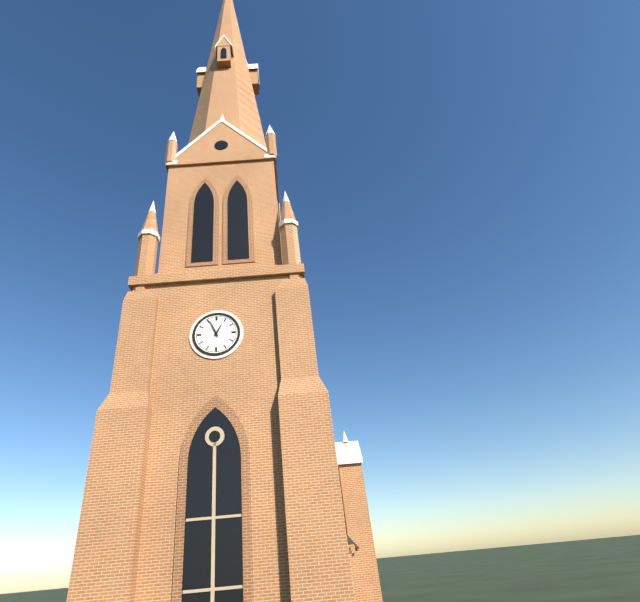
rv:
12 h 56 min
